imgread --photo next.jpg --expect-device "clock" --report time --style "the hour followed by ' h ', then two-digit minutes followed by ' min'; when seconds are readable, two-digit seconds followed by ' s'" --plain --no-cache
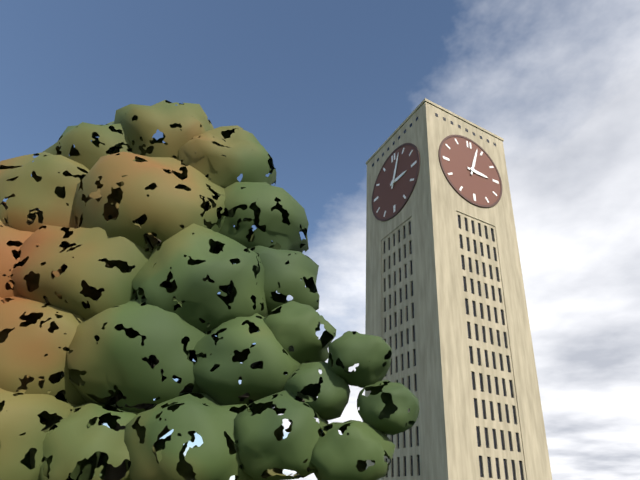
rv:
3 h 03 min
